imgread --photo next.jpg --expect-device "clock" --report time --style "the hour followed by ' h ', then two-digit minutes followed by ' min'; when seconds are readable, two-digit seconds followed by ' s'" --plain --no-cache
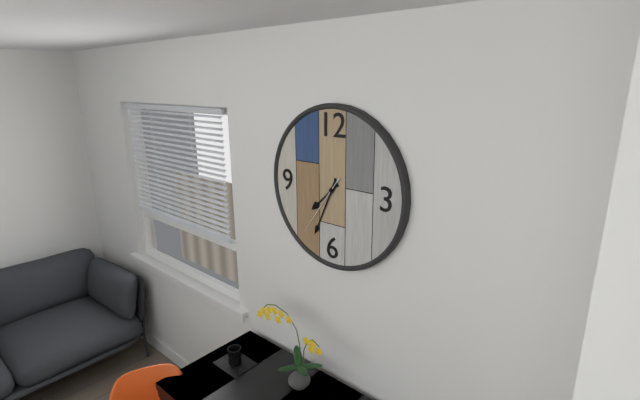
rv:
7 h 34 min 36 s
